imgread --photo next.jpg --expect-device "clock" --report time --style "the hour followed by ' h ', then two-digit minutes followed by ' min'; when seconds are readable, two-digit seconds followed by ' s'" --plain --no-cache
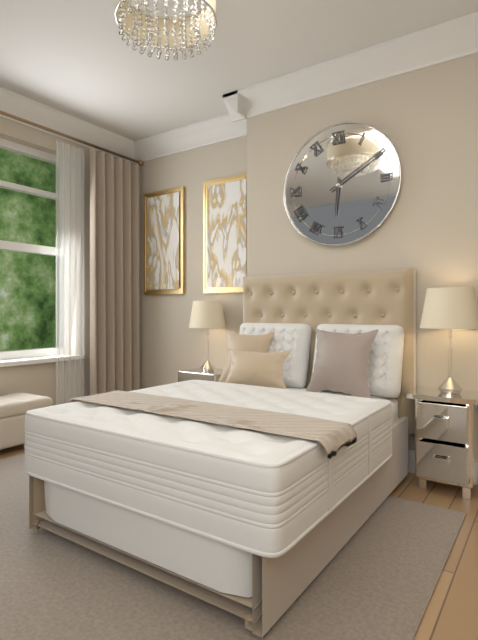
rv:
6 h 10 min
